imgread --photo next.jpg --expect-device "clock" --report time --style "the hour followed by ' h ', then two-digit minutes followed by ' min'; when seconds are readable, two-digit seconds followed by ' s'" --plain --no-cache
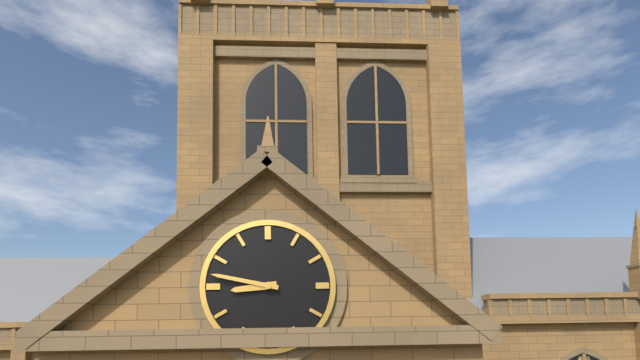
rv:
8 h 47 min
